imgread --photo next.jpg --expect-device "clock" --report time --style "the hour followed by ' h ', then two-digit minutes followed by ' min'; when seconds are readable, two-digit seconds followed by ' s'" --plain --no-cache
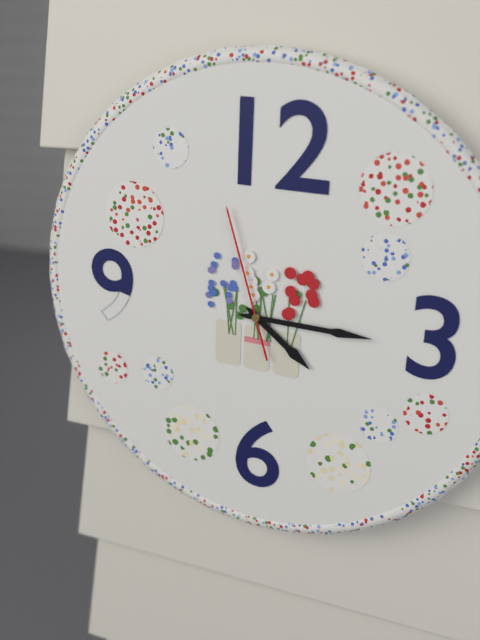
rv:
4 h 15 min 57 s
